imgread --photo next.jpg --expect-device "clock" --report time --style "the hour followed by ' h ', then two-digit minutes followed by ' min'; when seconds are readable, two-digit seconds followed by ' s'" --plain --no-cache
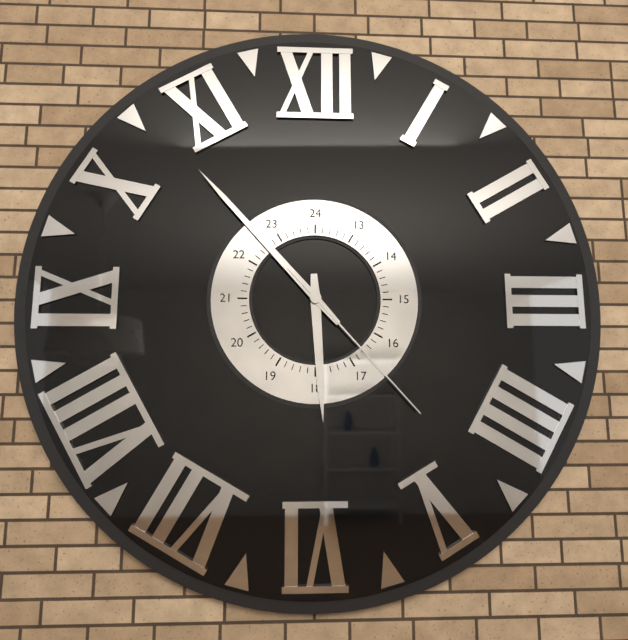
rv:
5 h 53 min 23 s
